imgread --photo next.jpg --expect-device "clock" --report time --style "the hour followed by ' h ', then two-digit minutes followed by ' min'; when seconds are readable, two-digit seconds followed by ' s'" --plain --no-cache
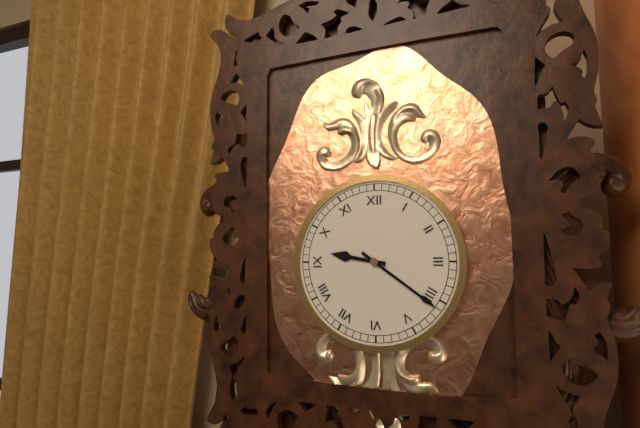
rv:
9 h 21 min
